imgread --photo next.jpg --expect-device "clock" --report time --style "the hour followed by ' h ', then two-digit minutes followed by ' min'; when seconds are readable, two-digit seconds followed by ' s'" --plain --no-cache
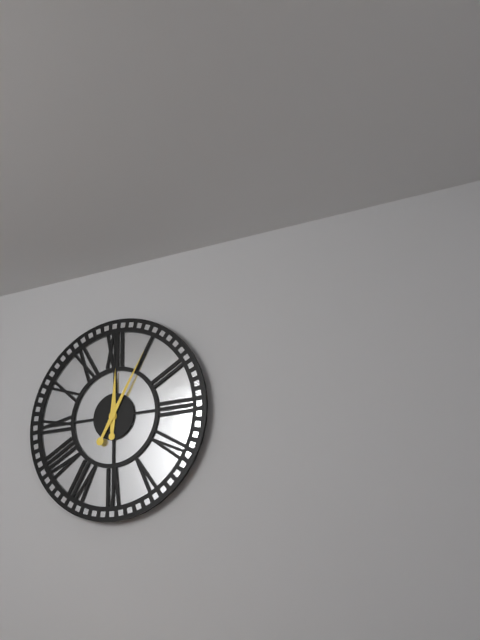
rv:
12 h 05 min
